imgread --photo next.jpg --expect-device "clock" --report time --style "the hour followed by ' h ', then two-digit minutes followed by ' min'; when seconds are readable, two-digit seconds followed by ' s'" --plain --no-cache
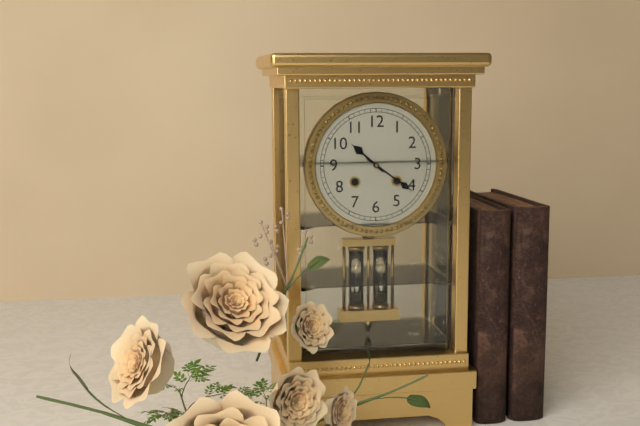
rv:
10 h 21 min
